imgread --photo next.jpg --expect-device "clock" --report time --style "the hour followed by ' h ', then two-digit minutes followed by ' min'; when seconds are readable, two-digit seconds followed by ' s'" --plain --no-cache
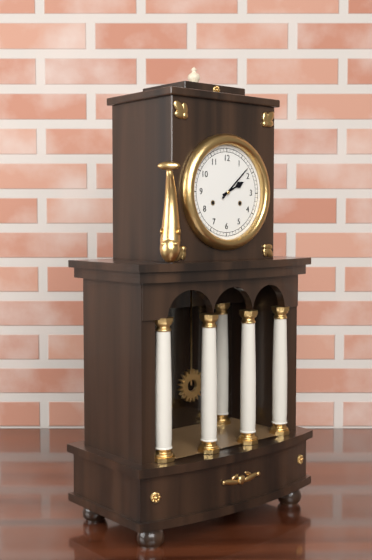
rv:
2 h 08 min
